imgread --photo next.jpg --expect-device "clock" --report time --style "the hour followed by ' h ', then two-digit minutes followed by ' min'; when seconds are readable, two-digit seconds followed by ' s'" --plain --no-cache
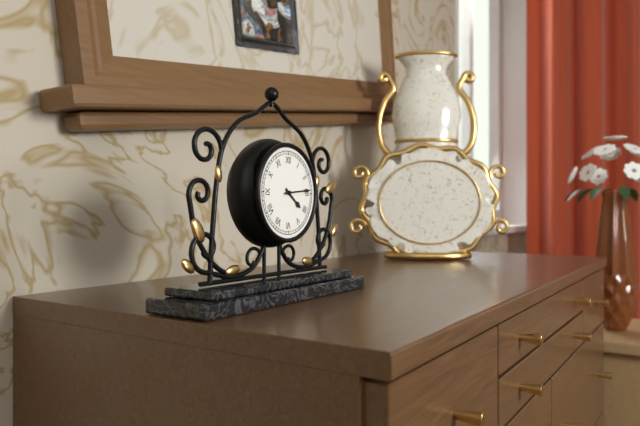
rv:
4 h 14 min
